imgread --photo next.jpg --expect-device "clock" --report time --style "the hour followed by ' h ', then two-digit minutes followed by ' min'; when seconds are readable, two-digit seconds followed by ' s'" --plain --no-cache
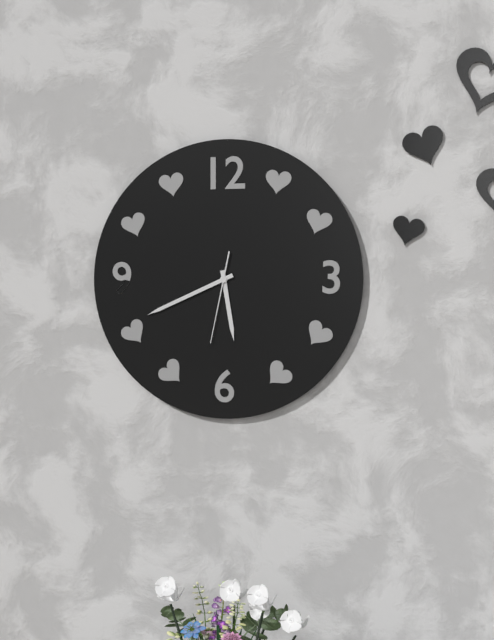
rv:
5 h 41 min 32 s
